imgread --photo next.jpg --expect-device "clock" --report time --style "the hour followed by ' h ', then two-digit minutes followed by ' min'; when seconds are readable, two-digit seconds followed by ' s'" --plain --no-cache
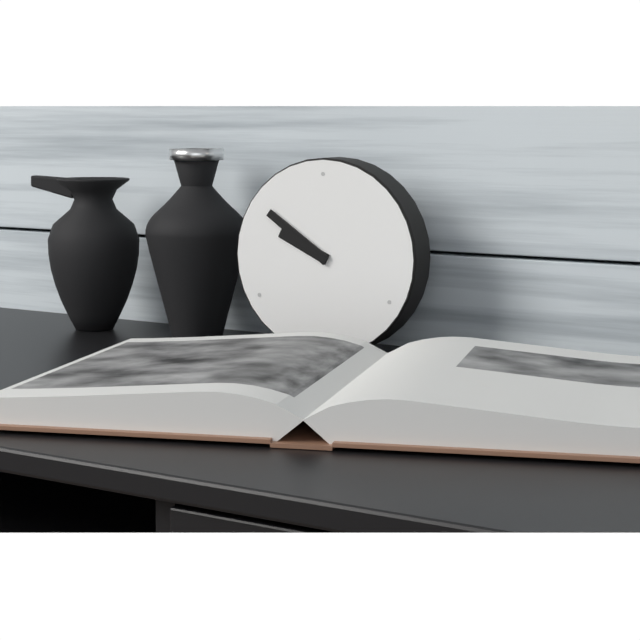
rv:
9 h 51 min
